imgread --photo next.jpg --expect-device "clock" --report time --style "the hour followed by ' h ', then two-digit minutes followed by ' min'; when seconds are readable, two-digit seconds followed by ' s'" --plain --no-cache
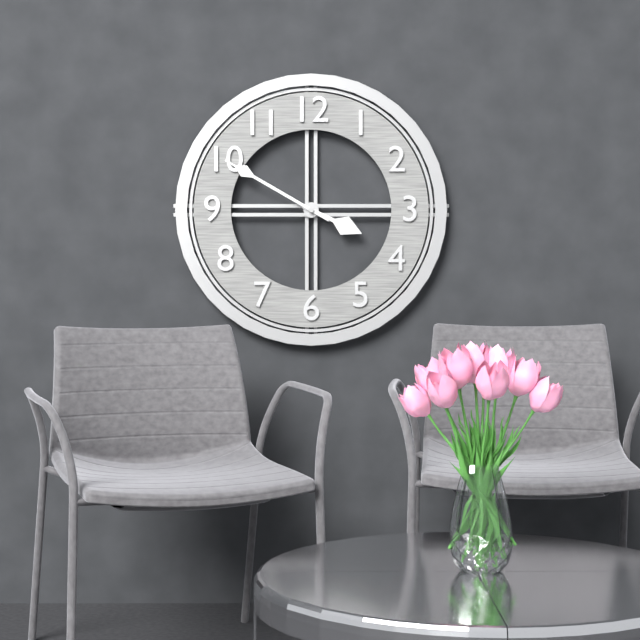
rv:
3 h 50 min
